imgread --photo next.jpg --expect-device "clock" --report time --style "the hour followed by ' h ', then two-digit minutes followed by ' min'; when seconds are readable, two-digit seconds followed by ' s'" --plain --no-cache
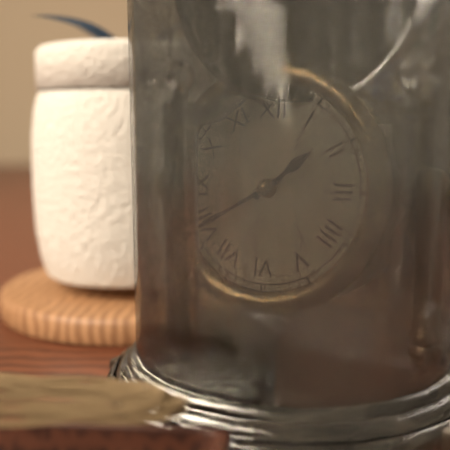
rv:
1 h 40 min
